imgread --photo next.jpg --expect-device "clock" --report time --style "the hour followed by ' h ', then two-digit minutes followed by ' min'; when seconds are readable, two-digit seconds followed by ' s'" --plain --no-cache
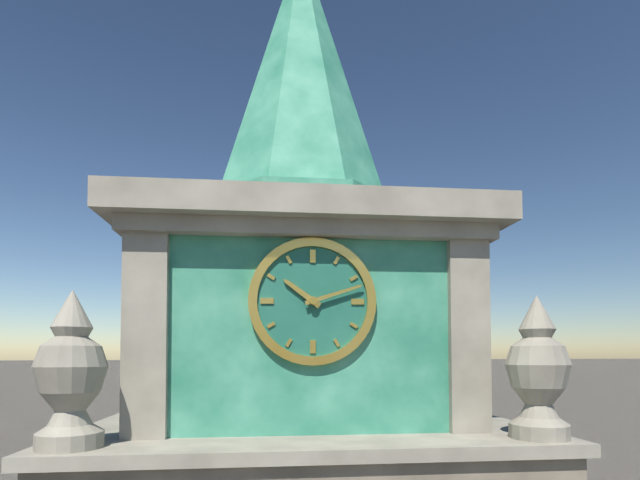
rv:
10 h 12 min
